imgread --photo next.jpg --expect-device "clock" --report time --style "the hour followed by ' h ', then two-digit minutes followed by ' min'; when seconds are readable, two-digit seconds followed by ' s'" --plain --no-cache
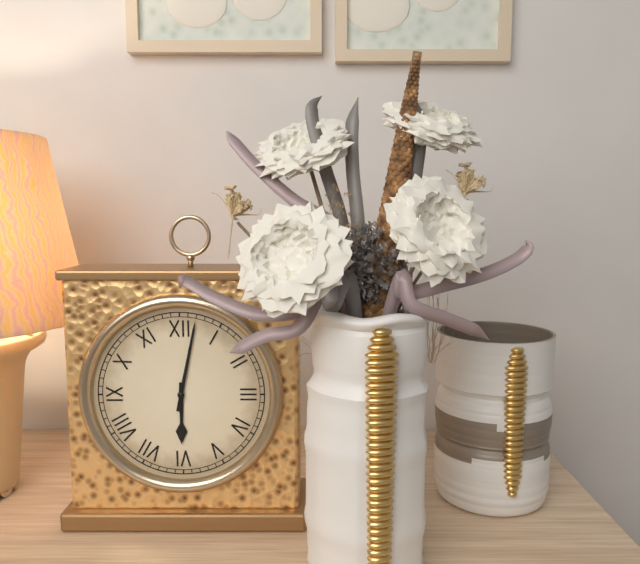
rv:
6 h 02 min
